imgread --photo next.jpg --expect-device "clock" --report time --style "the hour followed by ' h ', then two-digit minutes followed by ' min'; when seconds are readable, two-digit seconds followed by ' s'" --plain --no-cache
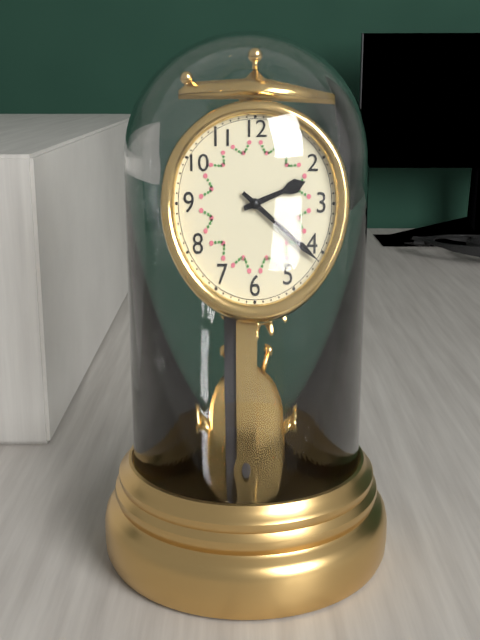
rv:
2 h 21 min
